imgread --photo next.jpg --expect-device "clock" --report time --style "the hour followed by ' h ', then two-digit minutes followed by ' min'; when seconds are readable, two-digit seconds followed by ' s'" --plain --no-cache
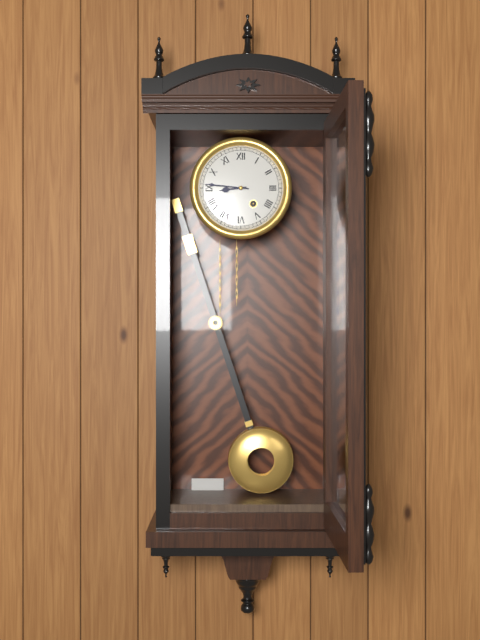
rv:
8 h 46 min
